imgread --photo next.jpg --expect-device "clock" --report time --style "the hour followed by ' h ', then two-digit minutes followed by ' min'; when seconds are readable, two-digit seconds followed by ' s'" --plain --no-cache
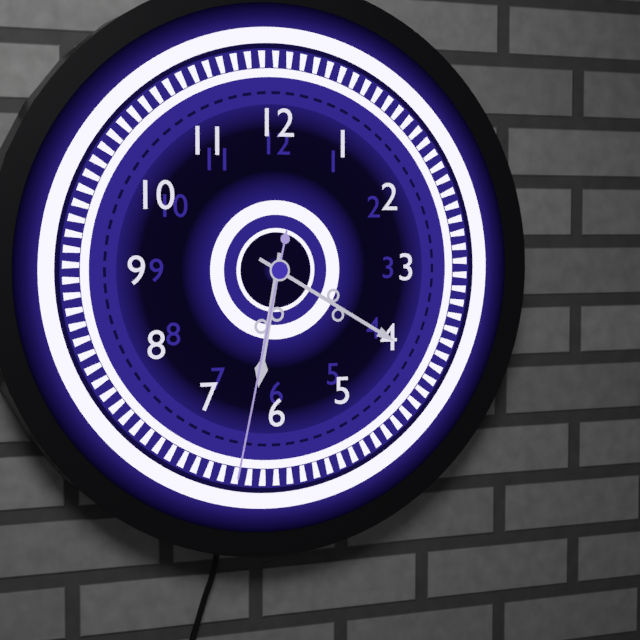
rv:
6 h 20 min 32 s
